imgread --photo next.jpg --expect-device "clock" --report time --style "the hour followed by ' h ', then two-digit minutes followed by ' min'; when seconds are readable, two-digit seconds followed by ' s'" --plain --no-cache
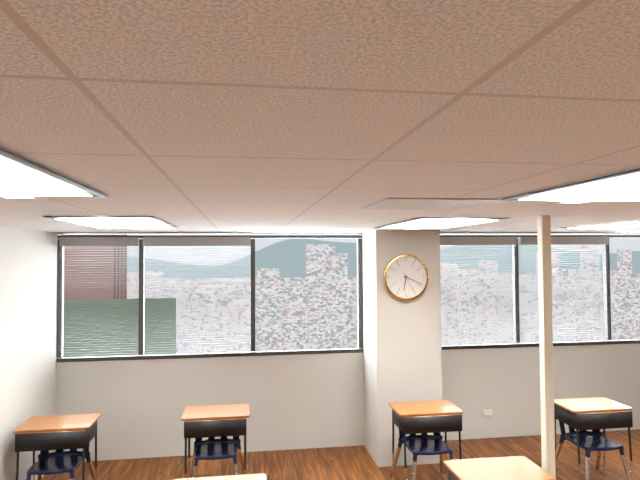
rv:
6 h 19 min
